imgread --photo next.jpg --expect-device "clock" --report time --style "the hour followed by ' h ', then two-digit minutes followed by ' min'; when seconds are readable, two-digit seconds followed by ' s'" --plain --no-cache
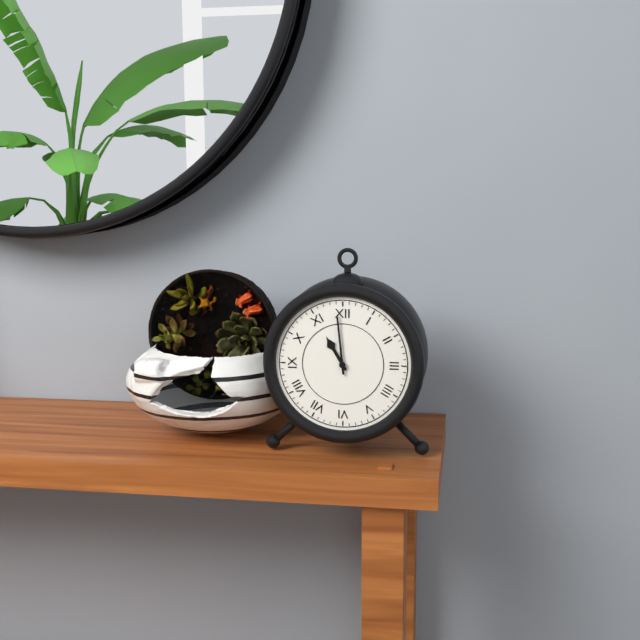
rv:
10 h 59 min
